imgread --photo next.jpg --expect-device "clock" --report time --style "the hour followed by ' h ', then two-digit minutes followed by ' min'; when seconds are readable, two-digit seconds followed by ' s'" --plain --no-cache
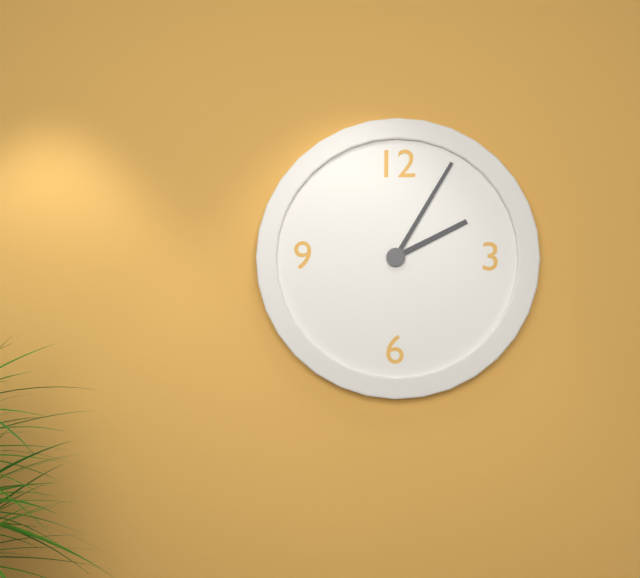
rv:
2 h 05 min
